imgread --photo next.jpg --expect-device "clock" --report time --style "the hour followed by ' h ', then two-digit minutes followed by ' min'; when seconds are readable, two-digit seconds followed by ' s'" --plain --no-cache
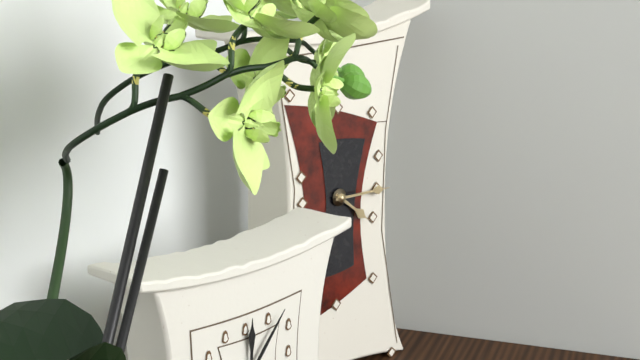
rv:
4 h 15 min
